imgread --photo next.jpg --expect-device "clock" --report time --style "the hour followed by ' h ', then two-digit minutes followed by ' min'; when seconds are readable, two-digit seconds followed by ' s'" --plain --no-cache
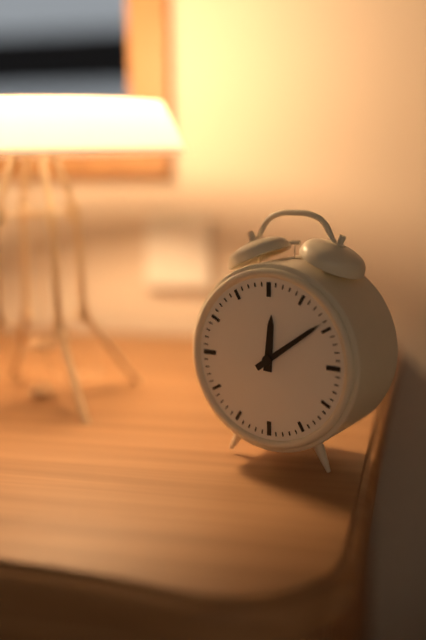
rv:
12 h 09 min
